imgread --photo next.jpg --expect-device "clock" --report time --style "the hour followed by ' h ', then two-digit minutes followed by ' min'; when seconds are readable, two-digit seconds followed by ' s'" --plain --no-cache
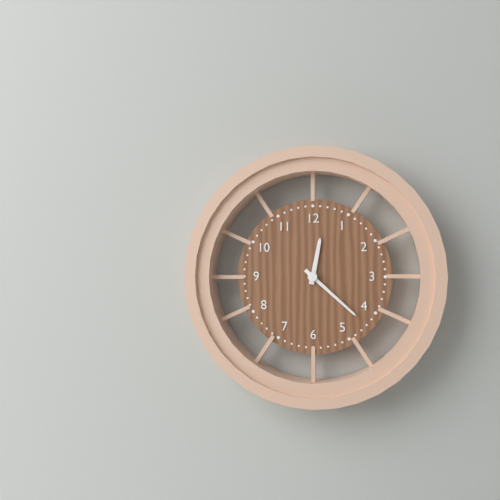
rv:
12 h 22 min
